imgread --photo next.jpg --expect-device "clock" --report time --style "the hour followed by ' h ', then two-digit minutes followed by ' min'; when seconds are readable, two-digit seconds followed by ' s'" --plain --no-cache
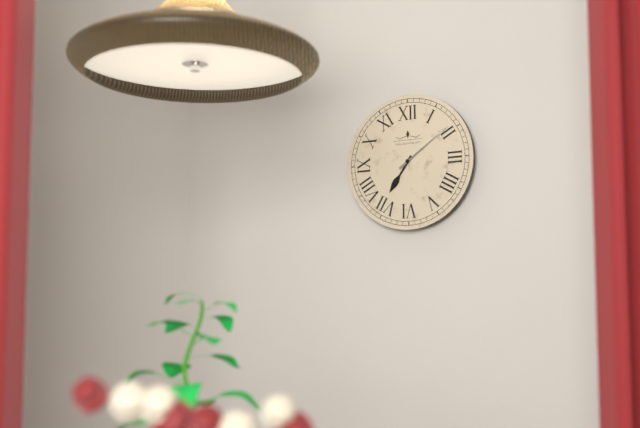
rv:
7 h 09 min
